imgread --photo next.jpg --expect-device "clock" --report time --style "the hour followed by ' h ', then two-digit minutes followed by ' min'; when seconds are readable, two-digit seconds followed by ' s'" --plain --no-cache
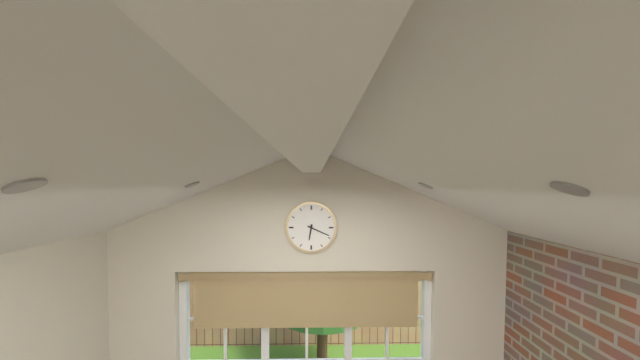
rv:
6 h 19 min
